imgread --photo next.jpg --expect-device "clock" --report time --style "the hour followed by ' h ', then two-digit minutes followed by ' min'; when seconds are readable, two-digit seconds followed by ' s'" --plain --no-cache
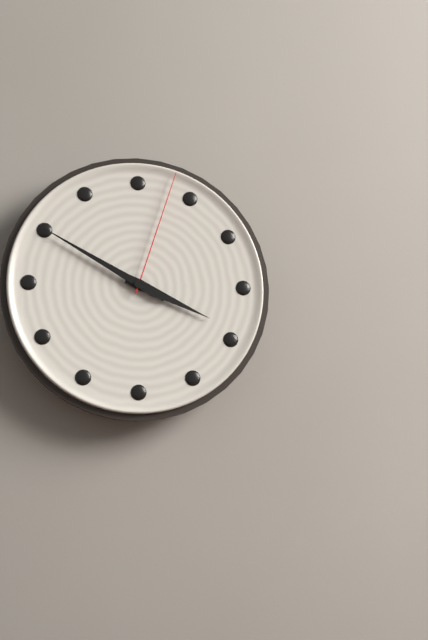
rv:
3 h 50 min 03 s
